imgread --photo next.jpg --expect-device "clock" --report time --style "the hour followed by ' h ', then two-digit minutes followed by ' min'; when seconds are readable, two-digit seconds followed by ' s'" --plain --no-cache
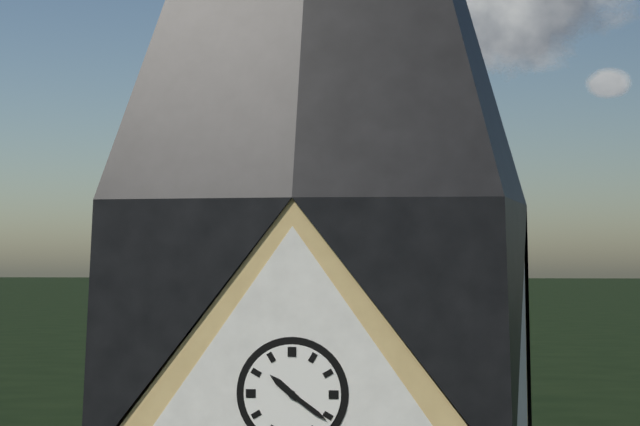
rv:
10 h 21 min
